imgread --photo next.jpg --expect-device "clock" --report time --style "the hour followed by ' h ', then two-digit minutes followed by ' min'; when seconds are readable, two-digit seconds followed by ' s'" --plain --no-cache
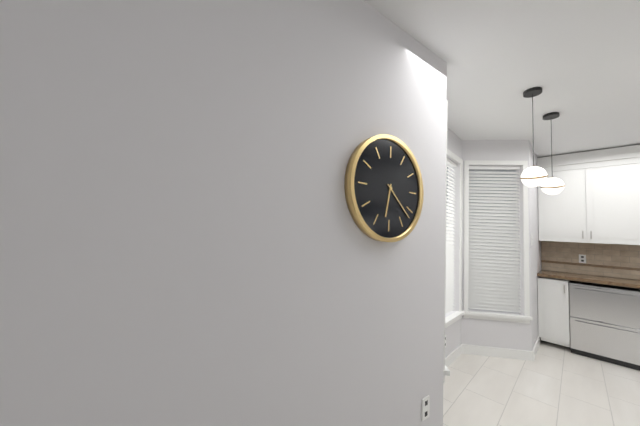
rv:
6 h 22 min
